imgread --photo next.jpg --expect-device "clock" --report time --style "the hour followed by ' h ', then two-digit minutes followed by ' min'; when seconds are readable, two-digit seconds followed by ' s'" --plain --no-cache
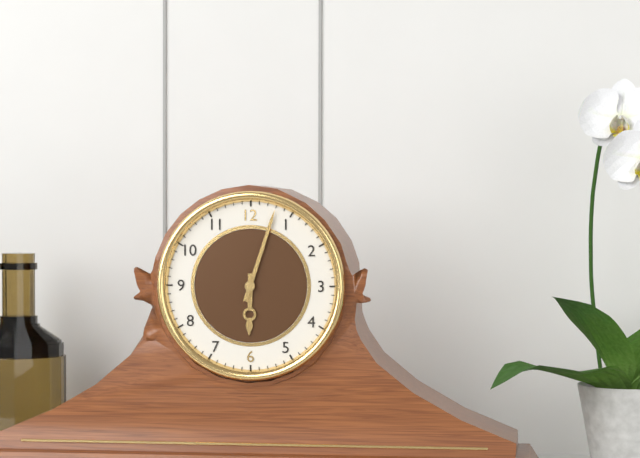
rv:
6 h 03 min
